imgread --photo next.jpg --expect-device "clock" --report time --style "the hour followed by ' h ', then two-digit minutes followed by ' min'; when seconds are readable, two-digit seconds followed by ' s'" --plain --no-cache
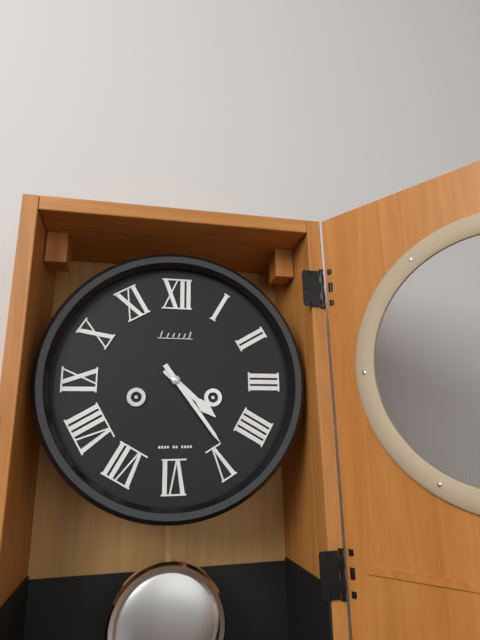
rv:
4 h 24 min
